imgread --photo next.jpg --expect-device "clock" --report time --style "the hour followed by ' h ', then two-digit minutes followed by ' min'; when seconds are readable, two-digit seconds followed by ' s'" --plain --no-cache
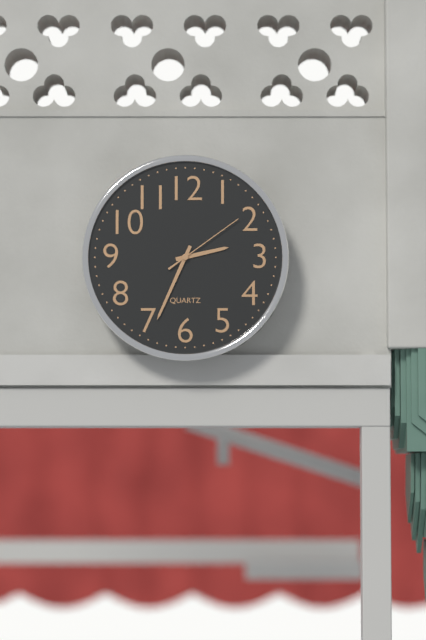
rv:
2 h 34 min 09 s
